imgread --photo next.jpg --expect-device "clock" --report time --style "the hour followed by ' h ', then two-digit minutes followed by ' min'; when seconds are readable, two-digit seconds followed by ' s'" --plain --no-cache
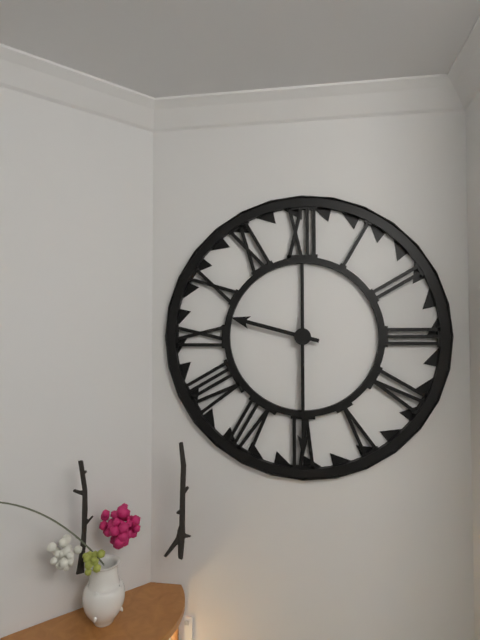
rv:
9 h 30 min
